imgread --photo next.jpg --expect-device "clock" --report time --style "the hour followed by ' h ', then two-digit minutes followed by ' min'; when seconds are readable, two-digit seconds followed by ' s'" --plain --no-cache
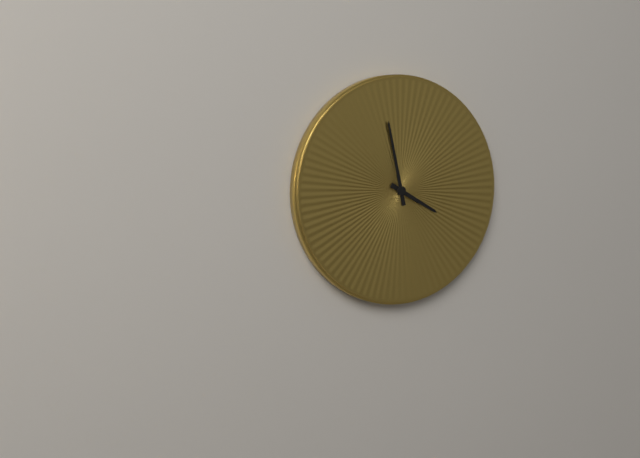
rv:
3 h 58 min
